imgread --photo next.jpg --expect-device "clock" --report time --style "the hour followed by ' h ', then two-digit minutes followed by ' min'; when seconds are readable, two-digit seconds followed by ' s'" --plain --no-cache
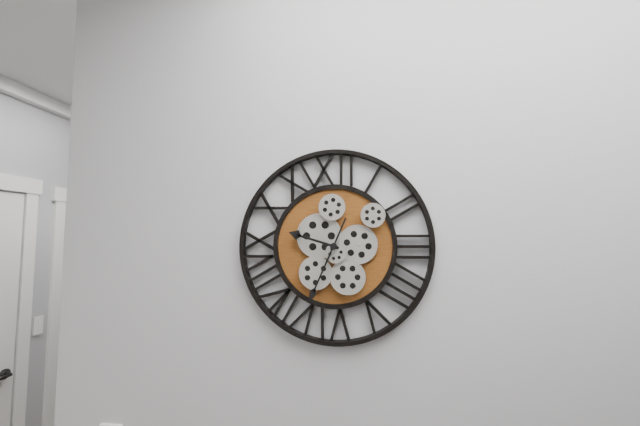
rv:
9 h 34 min
